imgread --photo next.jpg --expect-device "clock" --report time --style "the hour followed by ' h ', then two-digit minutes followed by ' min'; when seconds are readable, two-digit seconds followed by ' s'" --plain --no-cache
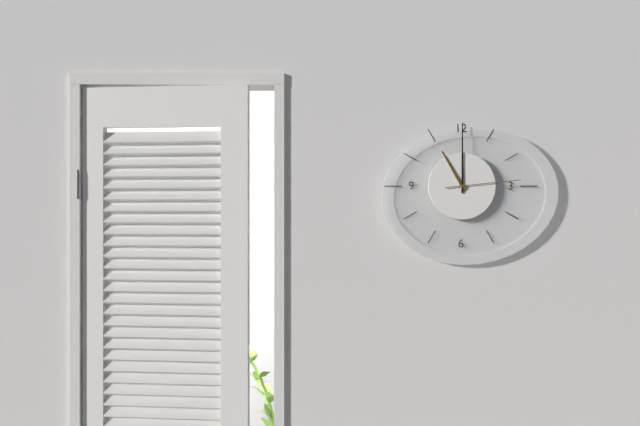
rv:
11 h 00 min 14 s
